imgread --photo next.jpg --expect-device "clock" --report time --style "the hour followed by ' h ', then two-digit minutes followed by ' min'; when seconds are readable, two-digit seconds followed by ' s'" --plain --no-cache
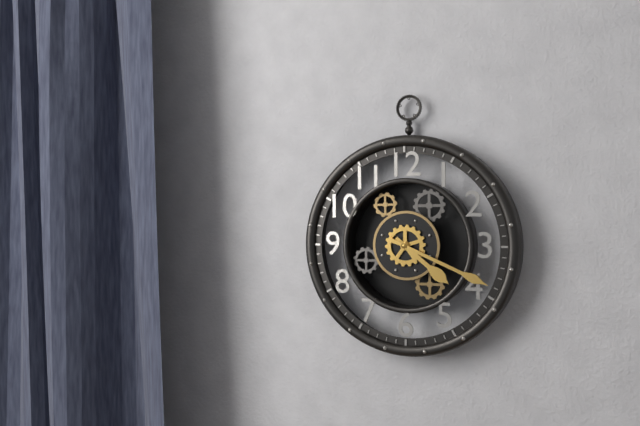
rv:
4 h 19 min
